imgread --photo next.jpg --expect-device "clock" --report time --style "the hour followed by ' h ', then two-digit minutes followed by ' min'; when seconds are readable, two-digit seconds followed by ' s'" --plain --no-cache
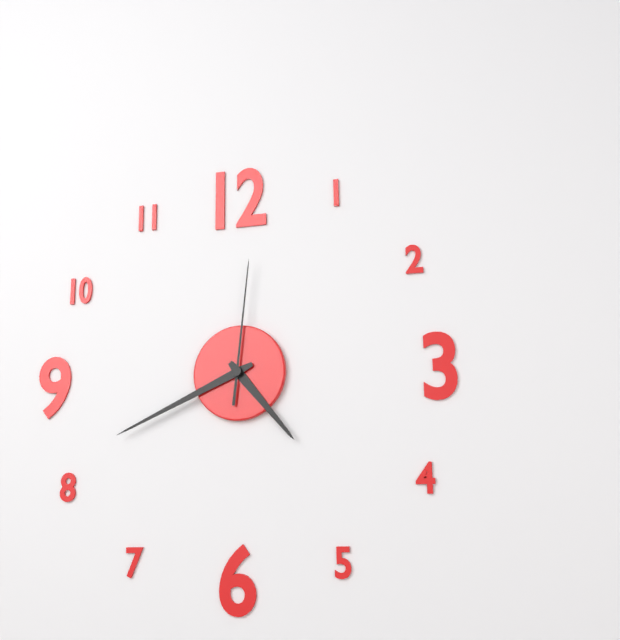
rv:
4 h 41 min 01 s
